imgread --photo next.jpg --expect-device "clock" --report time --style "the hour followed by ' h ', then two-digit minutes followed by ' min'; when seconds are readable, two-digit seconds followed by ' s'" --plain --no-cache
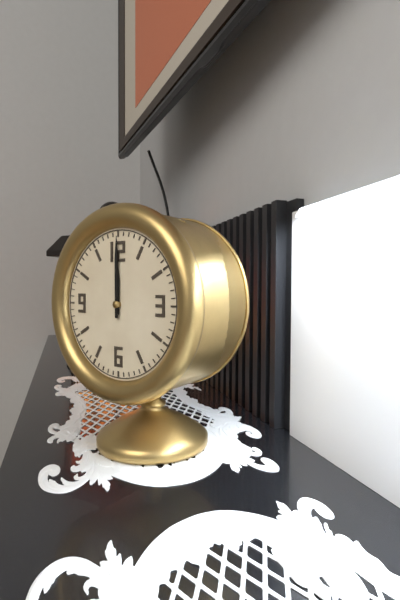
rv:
12 h 00 min
